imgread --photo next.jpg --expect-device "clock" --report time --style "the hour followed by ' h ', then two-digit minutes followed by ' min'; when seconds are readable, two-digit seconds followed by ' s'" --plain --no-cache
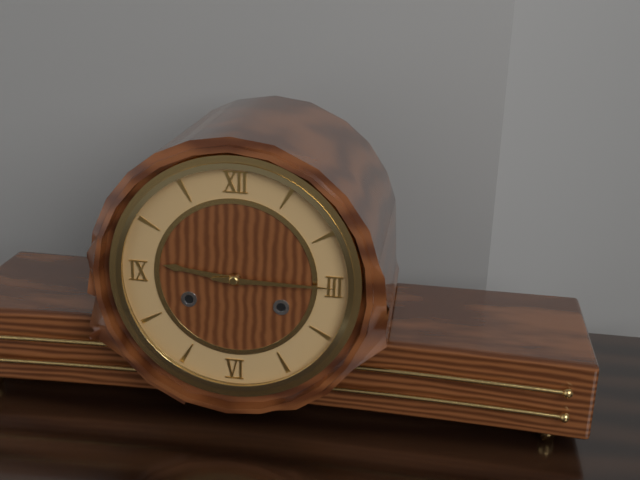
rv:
9 h 15 min
